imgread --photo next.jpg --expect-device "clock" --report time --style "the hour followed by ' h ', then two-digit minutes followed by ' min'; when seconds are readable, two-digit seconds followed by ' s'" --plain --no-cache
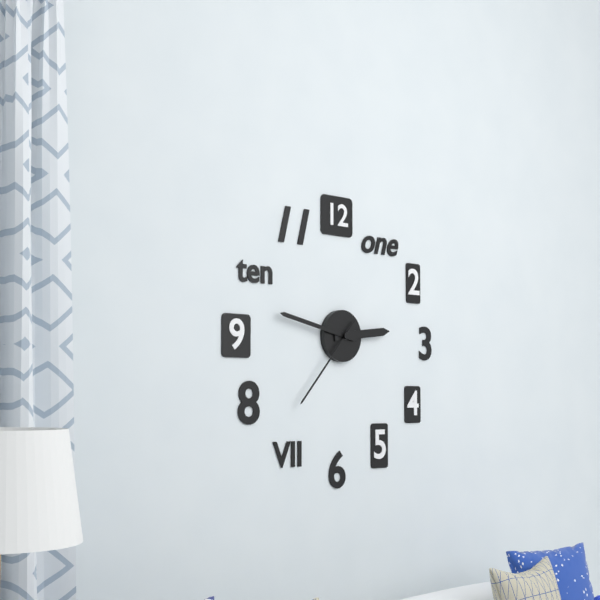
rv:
2 h 47 min 37 s
